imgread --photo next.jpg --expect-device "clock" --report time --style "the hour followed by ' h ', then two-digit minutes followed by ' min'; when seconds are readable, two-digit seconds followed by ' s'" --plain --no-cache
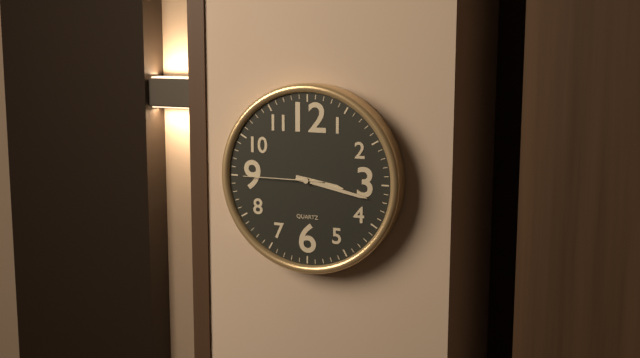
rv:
3 h 17 min 45 s
